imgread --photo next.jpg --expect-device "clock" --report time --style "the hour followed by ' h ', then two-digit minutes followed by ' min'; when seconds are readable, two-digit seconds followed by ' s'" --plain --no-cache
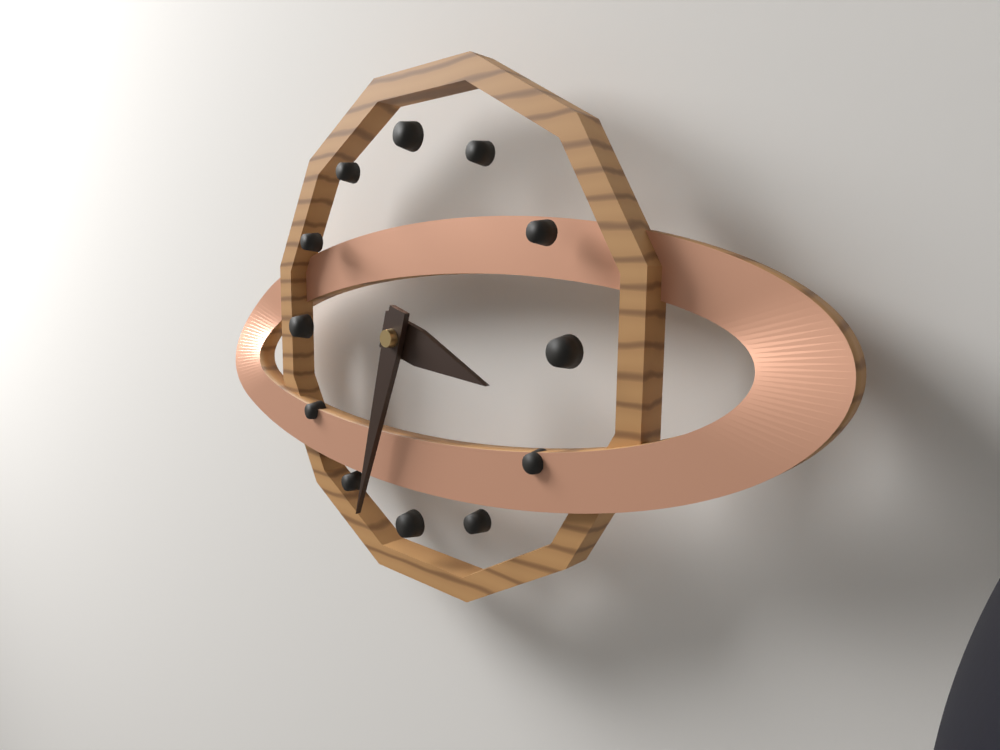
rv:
3 h 33 min
